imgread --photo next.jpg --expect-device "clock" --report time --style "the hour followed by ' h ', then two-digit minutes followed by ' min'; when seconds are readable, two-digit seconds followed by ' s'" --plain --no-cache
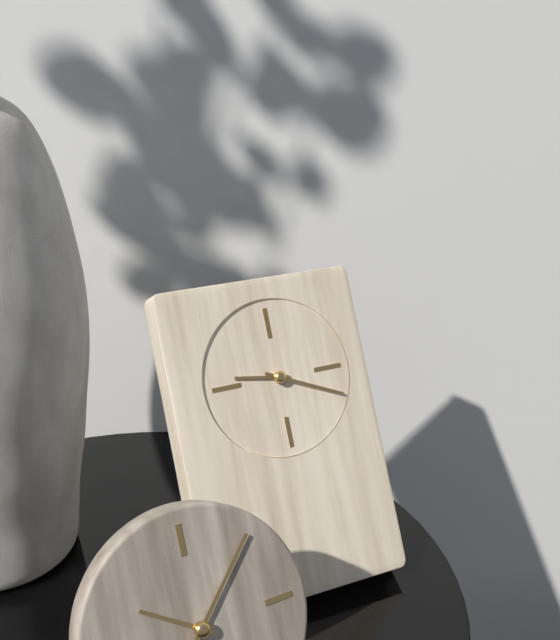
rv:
9 h 19 min
